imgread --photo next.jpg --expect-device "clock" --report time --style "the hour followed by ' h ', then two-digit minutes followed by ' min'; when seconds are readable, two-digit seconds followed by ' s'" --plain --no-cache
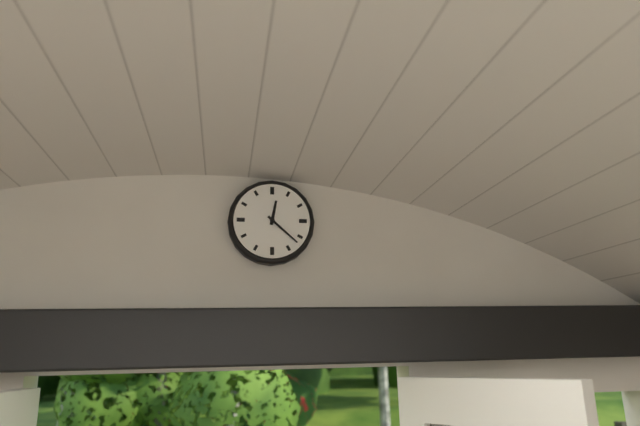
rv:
12 h 22 min
